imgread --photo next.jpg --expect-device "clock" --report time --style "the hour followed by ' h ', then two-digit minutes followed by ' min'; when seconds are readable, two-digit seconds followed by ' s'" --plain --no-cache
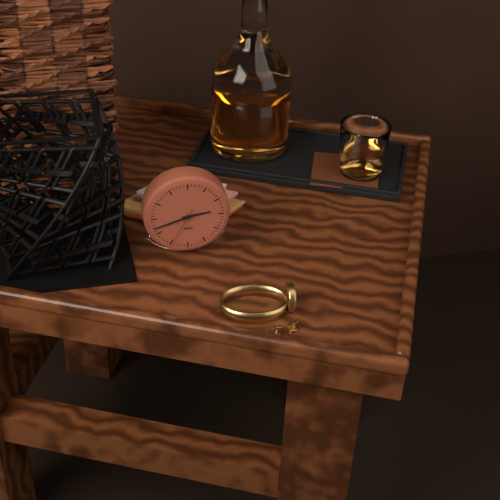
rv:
2 h 42 min
